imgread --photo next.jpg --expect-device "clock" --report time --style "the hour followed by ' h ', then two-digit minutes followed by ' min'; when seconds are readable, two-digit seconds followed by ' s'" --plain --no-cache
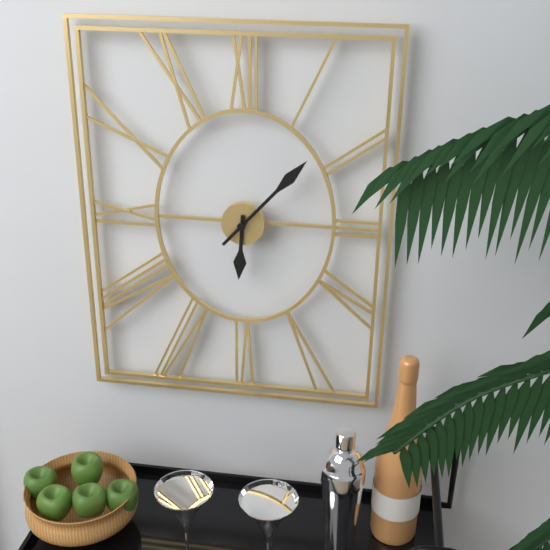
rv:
6 h 07 min
